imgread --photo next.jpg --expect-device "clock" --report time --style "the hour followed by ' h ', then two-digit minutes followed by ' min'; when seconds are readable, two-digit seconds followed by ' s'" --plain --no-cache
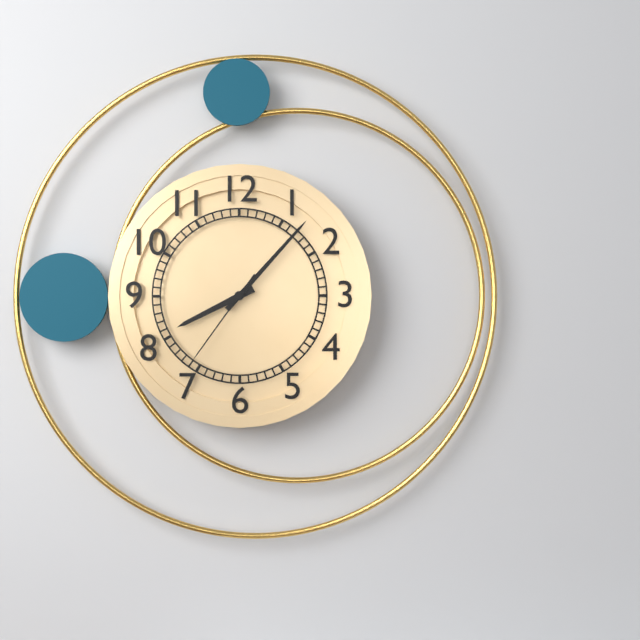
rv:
8 h 07 min 36 s
